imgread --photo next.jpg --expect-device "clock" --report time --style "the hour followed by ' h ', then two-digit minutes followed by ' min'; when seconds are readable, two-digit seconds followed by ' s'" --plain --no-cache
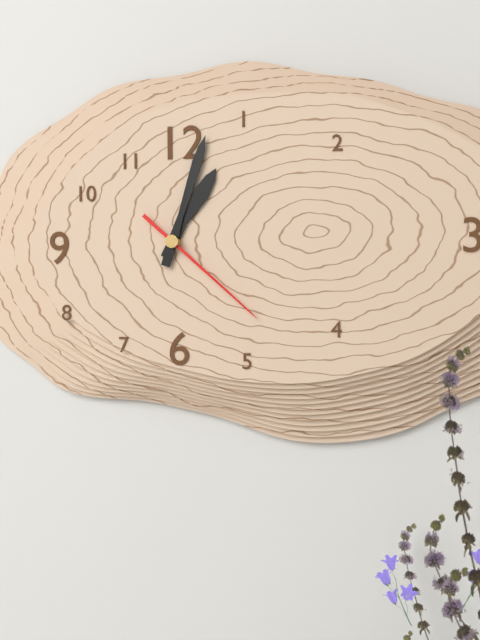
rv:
1 h 03 min 22 s
